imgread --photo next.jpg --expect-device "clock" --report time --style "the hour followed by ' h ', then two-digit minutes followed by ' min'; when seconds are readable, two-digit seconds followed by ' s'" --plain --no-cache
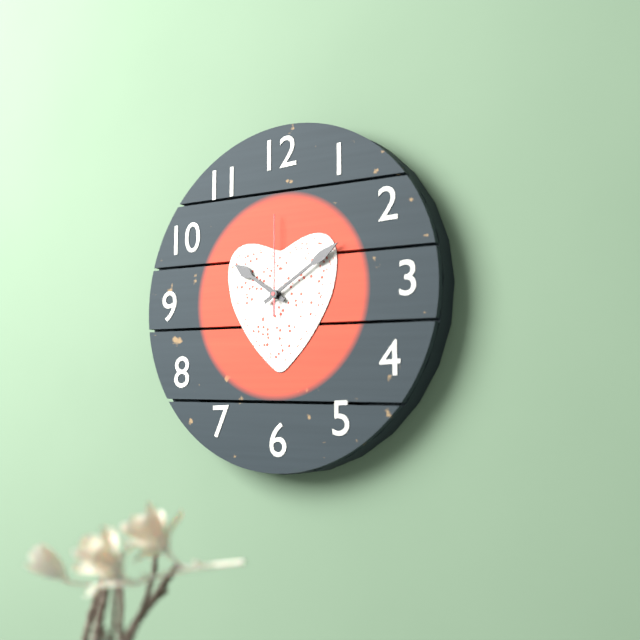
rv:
10 h 10 min 00 s
